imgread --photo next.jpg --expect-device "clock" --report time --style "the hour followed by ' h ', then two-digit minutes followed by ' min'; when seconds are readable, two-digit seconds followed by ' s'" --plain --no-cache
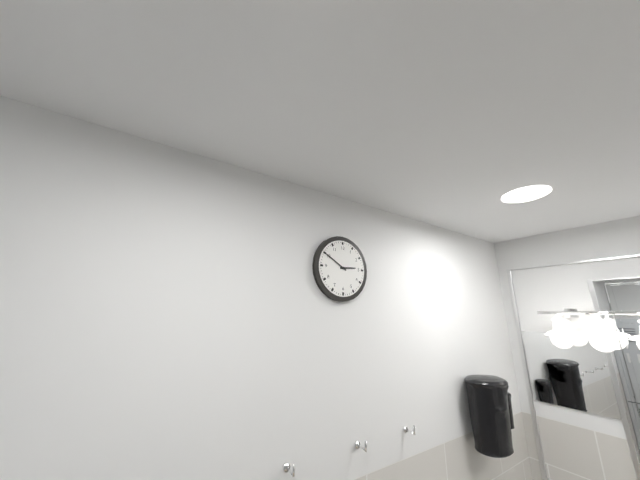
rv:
2 h 50 min
